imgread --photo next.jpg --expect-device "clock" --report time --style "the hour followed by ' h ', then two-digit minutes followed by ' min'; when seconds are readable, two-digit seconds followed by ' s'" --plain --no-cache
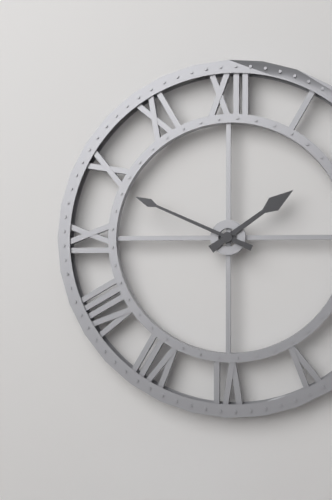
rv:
1 h 49 min
